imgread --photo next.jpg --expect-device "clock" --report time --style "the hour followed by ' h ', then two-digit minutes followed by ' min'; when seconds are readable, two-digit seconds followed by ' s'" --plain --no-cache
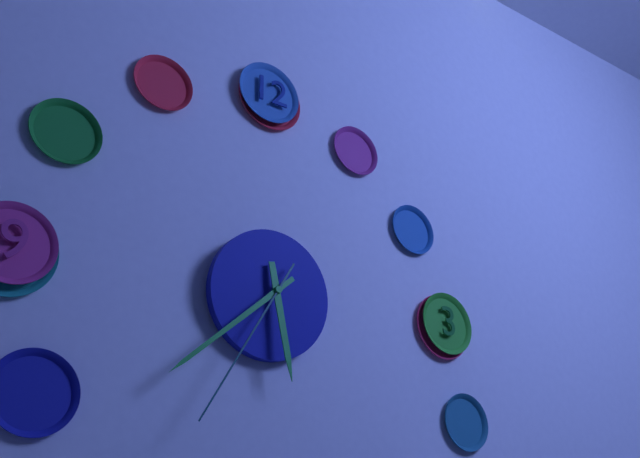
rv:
5 h 38 min 35 s
